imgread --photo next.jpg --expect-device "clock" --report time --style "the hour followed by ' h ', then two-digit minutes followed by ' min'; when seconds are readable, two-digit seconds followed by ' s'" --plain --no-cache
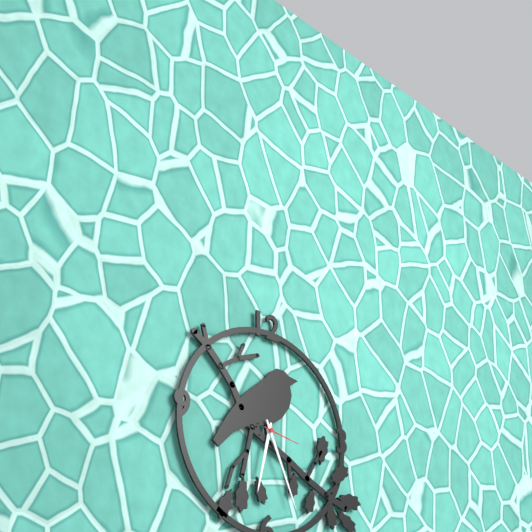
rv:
6 h 26 min
